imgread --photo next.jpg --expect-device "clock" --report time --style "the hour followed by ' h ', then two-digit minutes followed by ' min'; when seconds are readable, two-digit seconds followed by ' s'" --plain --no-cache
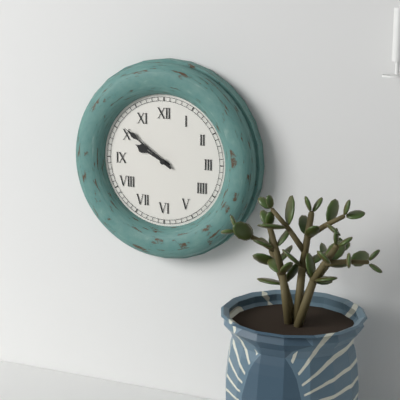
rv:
9 h 51 min
